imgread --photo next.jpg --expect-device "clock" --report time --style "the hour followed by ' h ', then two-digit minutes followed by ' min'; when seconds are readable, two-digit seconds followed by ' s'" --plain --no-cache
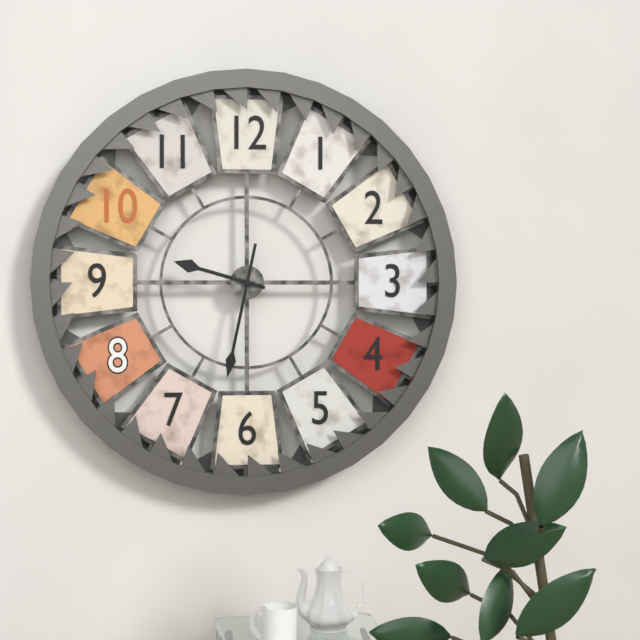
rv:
9 h 32 min
